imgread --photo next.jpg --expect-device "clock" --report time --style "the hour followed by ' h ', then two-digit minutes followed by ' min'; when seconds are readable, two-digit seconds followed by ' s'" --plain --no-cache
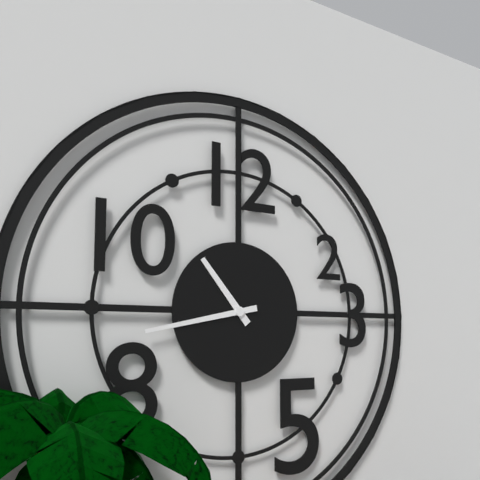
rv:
10 h 43 min
